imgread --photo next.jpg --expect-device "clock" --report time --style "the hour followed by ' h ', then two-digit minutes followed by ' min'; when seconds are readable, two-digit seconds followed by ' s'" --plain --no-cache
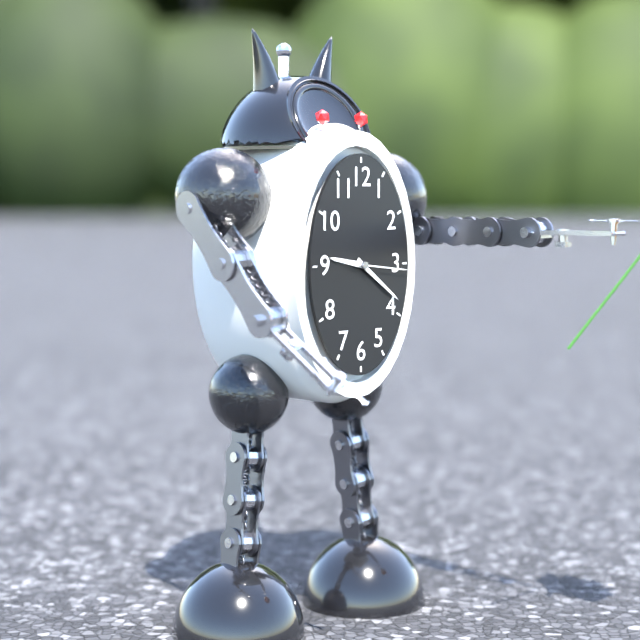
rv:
9 h 21 min 16 s
